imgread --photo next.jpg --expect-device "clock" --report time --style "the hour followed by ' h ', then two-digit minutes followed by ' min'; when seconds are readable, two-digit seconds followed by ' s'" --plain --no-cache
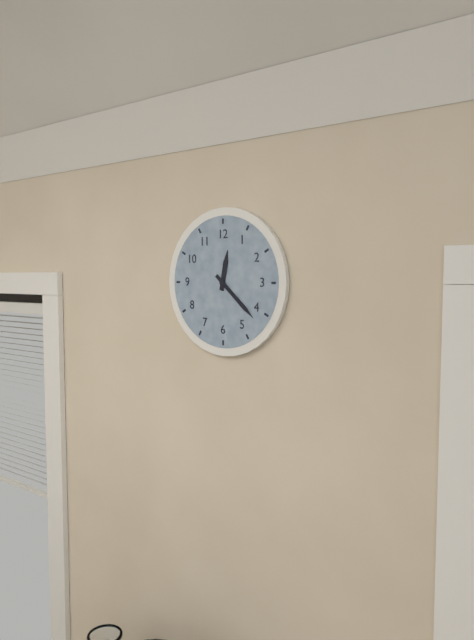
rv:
12 h 22 min
